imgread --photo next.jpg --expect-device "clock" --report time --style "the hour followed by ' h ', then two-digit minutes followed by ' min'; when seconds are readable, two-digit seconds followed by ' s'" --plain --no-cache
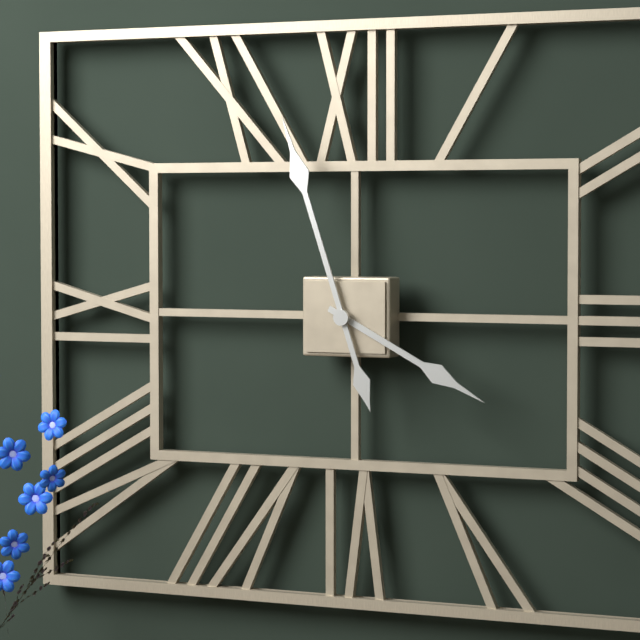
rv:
3 h 57 min
